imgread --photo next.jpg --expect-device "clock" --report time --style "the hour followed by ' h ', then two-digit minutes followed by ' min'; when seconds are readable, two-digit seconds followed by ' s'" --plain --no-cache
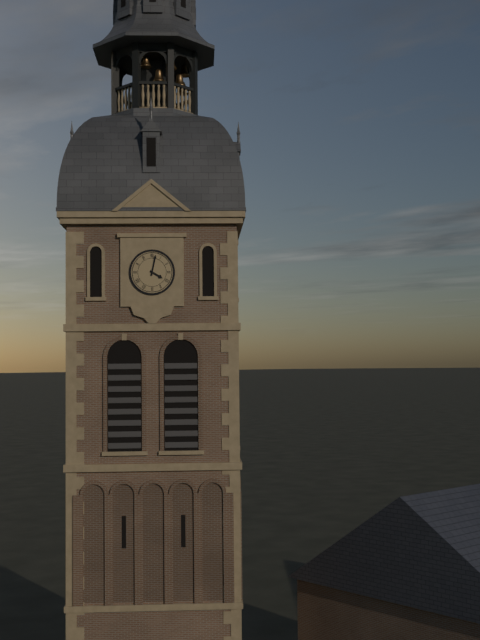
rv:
4 h 02 min
